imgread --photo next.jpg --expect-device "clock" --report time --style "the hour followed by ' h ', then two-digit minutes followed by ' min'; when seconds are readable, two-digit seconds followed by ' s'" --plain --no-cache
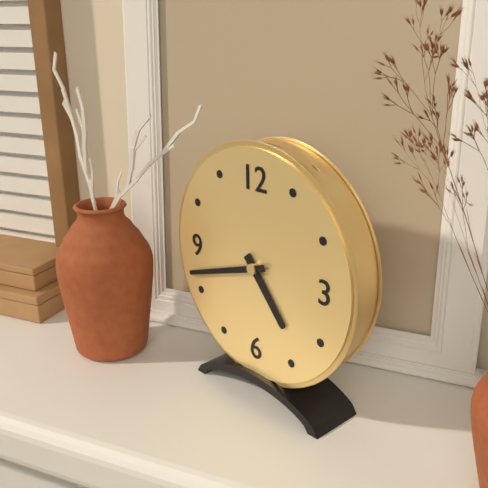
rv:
4 h 42 min
